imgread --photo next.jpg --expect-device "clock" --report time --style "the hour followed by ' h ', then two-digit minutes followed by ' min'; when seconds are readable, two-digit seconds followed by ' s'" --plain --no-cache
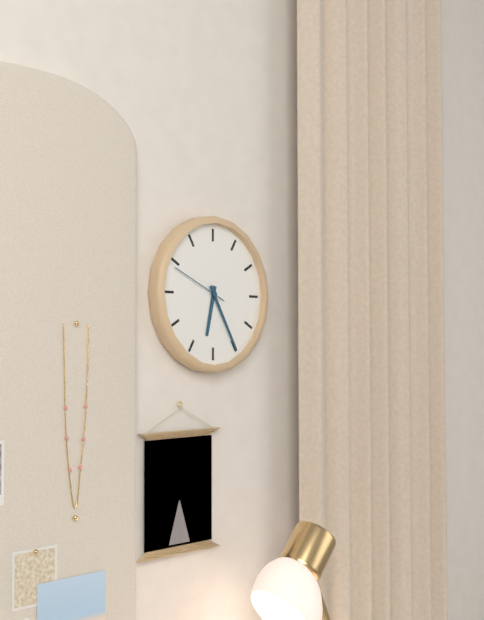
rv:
6 h 25 min 49 s
